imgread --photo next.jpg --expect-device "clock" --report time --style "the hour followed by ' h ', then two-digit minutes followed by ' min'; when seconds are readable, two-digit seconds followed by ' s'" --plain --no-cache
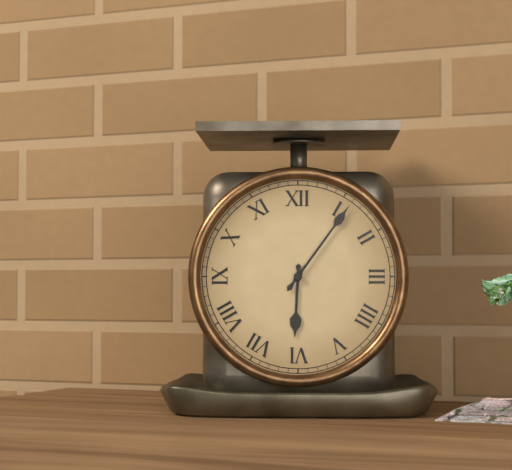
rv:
6 h 06 min
